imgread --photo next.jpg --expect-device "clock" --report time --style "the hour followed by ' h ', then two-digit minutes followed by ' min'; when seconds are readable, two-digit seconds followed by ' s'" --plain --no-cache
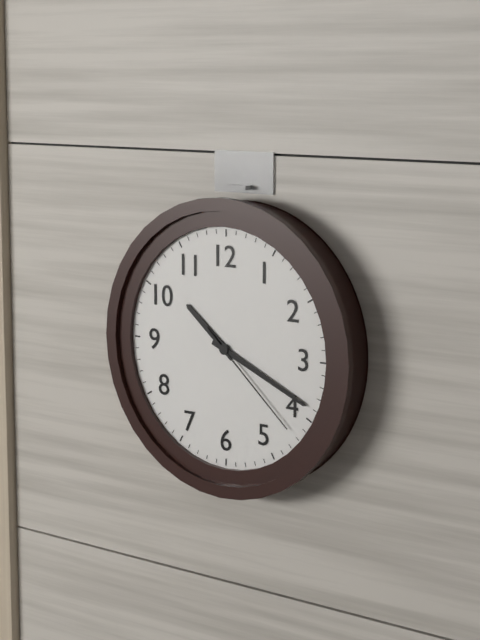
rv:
10 h 19 min 22 s
